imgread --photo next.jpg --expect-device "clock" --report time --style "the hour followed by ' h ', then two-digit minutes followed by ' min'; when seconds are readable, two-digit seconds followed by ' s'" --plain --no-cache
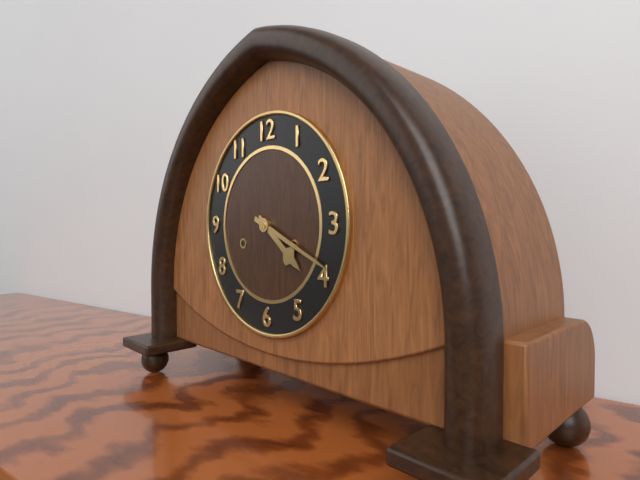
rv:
4 h 19 min
